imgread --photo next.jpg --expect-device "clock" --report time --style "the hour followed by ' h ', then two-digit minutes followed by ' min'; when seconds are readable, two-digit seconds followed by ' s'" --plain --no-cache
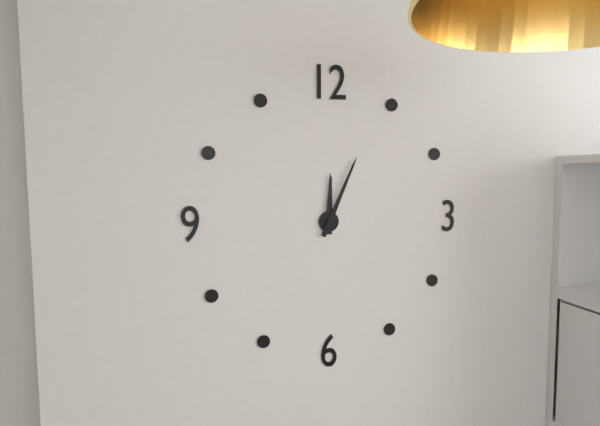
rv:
12 h 04 min
